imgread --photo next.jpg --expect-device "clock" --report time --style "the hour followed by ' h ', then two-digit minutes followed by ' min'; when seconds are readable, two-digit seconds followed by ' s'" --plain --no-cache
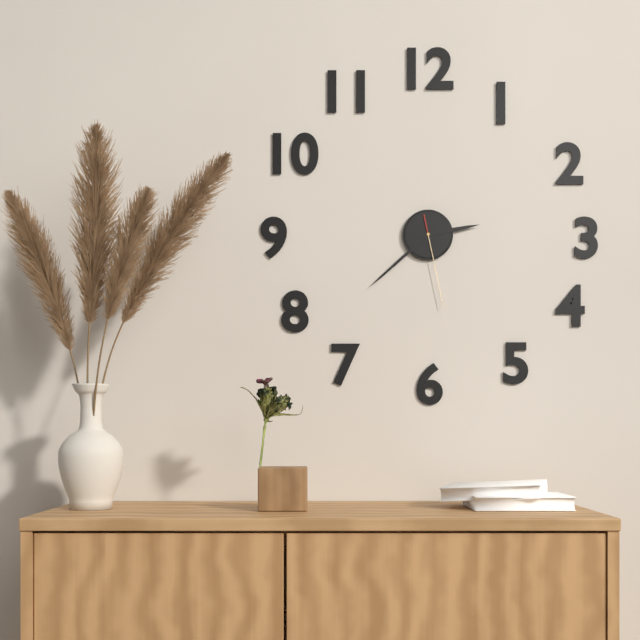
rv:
2 h 38 min 28 s
